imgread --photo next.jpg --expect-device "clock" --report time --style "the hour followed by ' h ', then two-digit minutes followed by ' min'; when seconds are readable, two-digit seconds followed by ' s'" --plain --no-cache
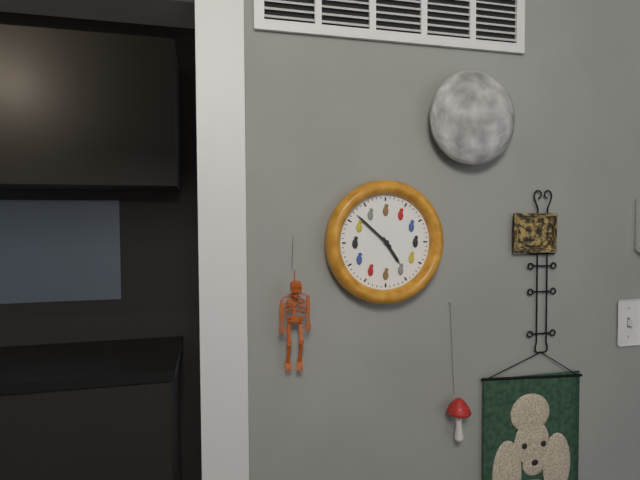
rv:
4 h 52 min
